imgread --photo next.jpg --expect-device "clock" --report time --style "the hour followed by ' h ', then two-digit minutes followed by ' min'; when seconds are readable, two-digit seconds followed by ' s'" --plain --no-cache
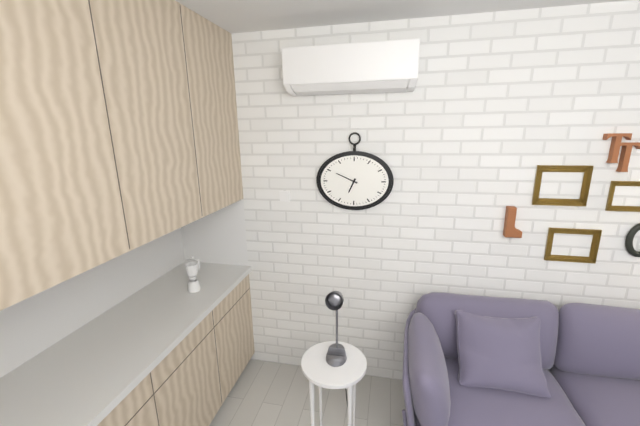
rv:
6 h 49 min
